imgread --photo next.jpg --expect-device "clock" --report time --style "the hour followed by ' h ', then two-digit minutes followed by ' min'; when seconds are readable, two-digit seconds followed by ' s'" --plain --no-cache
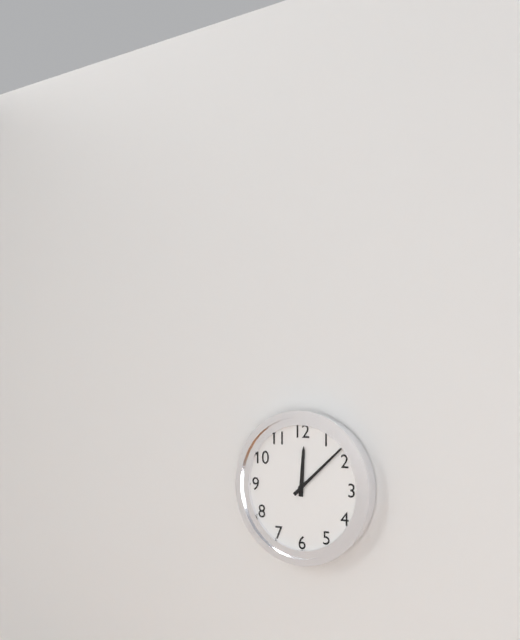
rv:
12 h 08 min
